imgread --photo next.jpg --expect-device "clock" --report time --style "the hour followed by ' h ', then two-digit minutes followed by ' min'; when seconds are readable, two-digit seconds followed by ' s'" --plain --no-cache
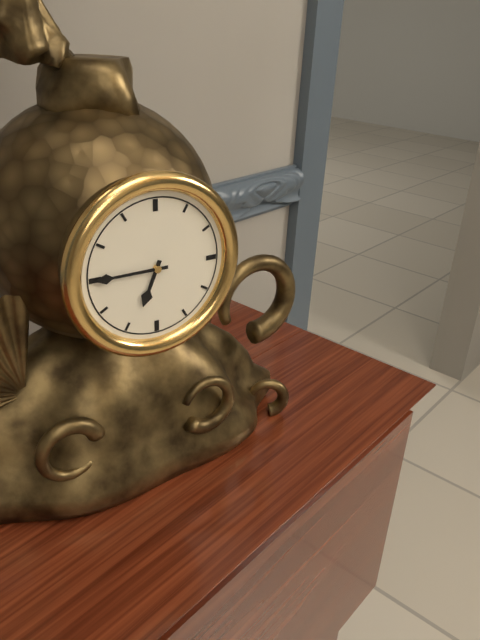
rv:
6 h 45 min
